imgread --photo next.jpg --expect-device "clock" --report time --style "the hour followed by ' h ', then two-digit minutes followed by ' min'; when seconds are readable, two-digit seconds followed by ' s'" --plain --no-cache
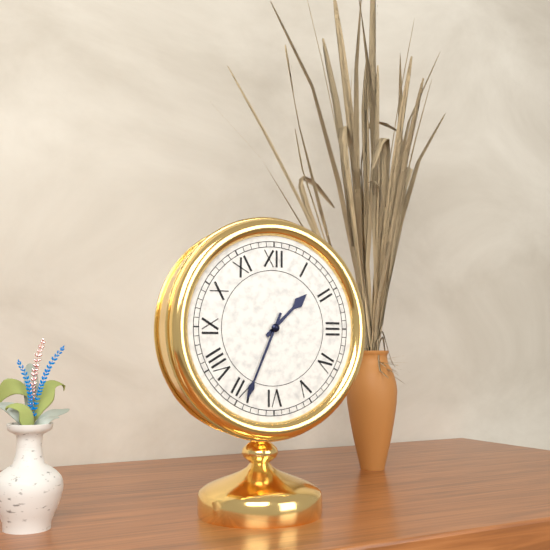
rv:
1 h 34 min
